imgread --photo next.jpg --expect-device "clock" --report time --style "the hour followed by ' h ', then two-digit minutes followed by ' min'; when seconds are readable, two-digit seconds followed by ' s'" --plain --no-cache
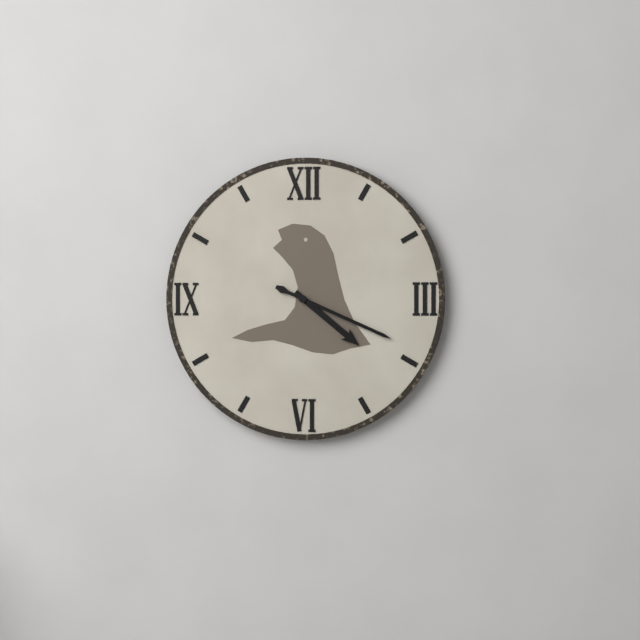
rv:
4 h 19 min
